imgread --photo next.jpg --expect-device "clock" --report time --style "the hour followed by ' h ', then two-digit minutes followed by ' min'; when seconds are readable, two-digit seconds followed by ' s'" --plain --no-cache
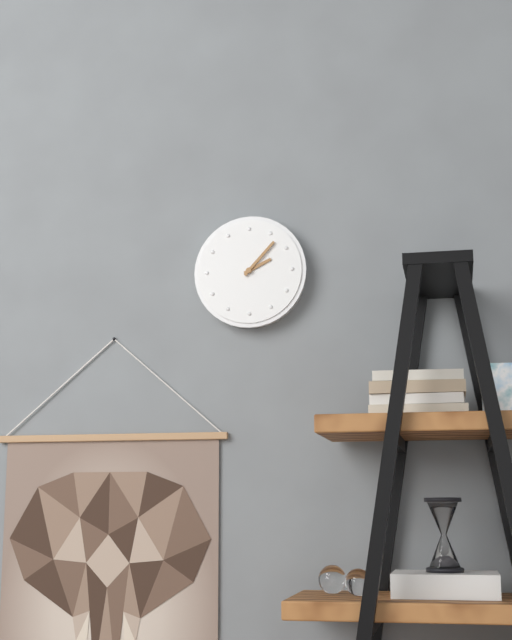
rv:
2 h 07 min
